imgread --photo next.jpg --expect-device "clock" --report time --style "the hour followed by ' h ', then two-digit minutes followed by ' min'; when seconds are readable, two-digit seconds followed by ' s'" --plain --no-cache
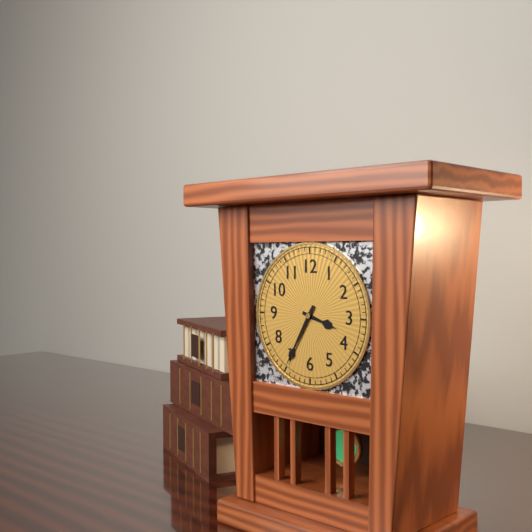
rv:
3 h 35 min
